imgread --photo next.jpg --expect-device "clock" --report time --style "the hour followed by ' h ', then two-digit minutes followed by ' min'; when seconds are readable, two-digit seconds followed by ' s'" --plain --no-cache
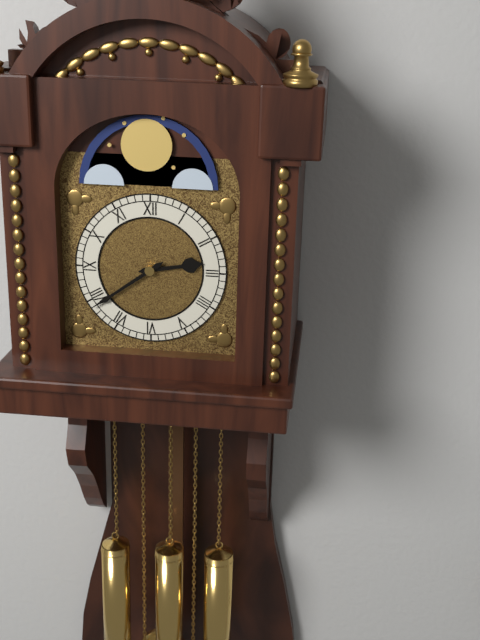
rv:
2 h 39 min
